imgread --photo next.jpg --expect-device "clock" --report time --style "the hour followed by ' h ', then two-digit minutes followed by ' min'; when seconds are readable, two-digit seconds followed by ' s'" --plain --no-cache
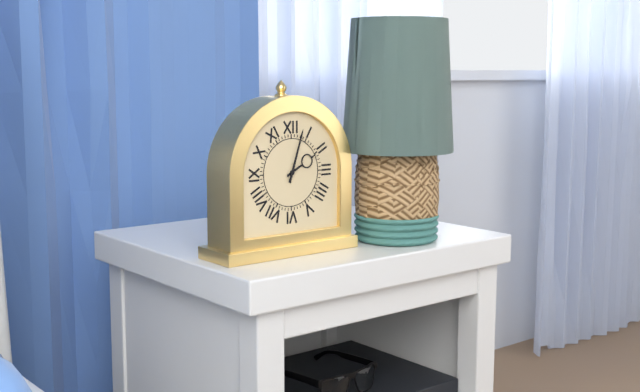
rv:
2 h 03 min
